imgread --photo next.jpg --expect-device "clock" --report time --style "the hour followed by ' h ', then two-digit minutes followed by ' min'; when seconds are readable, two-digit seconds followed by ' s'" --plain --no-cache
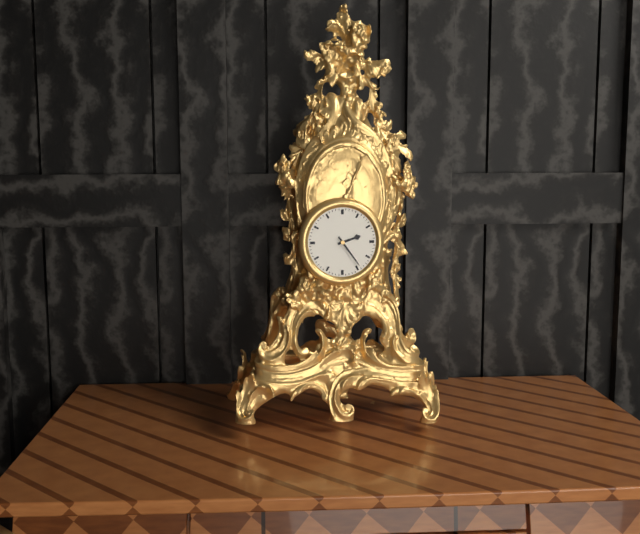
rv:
2 h 24 min
